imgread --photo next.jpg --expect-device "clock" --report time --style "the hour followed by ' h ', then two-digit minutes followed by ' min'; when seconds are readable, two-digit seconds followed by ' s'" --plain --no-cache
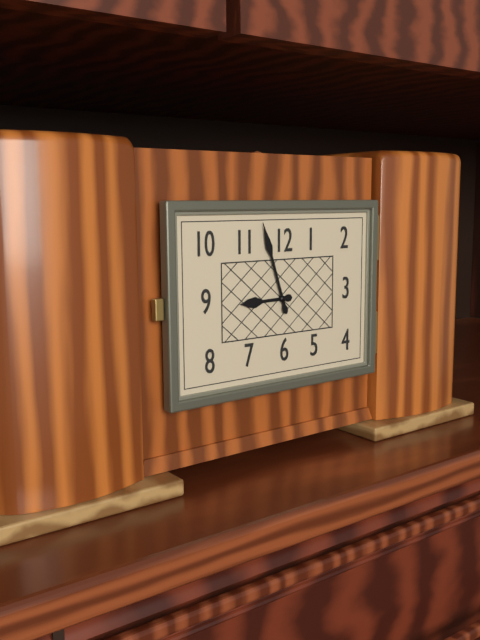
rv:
8 h 57 min
